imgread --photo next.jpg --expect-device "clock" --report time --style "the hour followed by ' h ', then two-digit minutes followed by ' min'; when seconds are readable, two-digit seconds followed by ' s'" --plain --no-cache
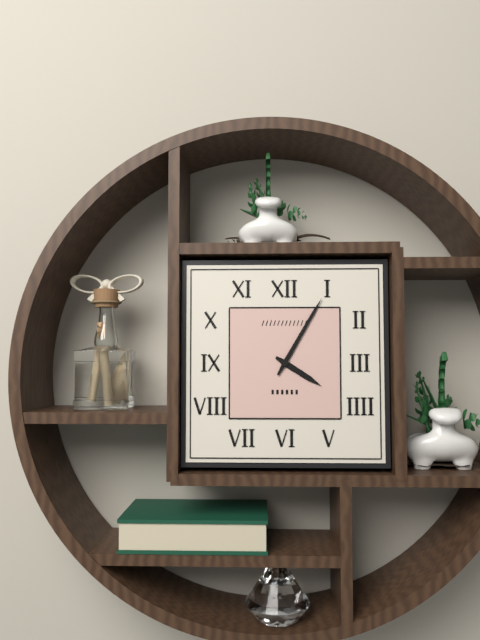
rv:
4 h 05 min
